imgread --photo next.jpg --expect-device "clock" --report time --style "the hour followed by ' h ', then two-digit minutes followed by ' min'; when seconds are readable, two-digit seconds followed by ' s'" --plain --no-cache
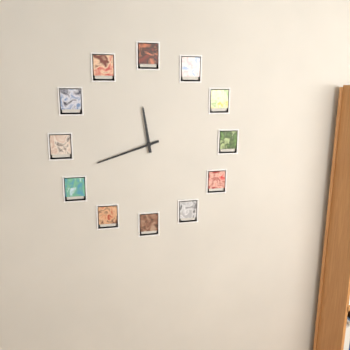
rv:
11 h 42 min
